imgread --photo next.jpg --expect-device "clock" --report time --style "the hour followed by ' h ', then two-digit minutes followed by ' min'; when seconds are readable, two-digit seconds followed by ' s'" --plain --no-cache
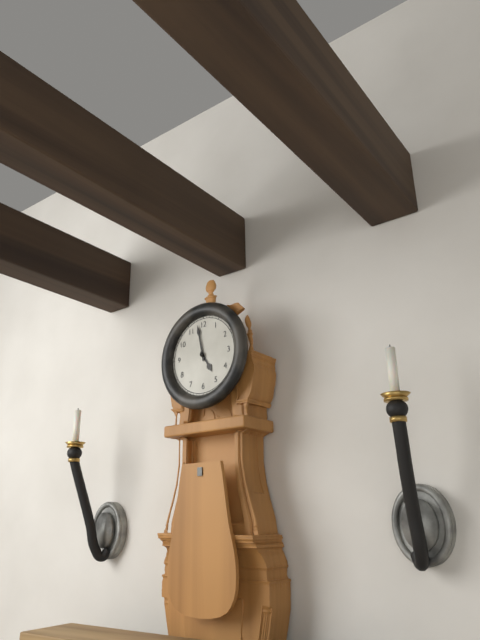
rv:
4 h 58 min
